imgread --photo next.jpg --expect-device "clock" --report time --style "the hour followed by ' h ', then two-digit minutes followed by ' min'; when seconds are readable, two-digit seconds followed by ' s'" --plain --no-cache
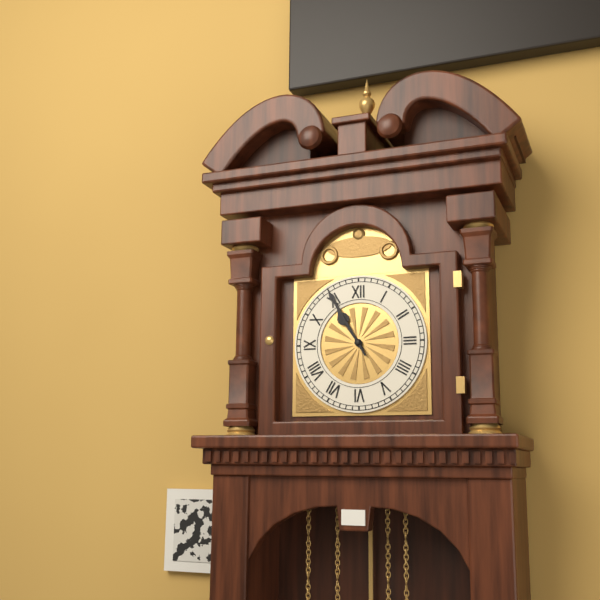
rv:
10 h 55 min
